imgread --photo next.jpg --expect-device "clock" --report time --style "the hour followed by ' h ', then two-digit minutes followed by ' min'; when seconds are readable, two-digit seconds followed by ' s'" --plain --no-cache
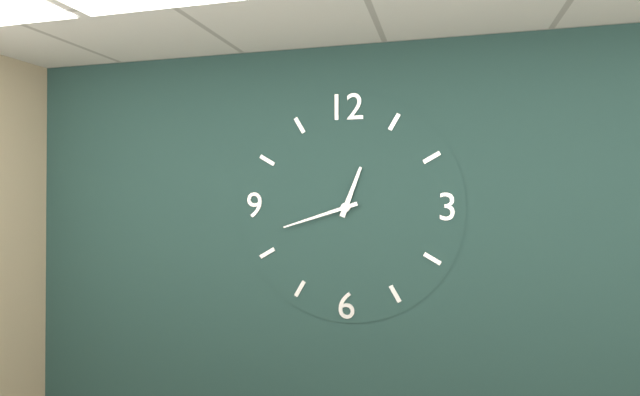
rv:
12 h 42 min
